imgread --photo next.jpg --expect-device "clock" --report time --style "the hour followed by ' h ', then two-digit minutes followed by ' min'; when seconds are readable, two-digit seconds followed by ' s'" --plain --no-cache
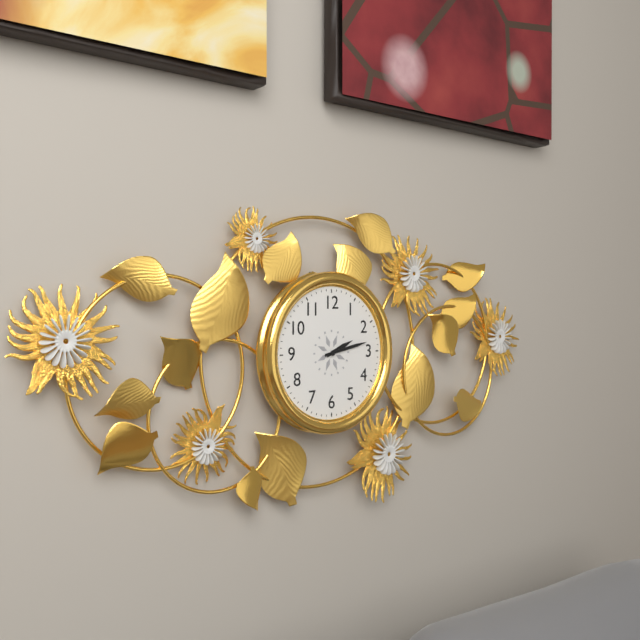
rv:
2 h 13 min
